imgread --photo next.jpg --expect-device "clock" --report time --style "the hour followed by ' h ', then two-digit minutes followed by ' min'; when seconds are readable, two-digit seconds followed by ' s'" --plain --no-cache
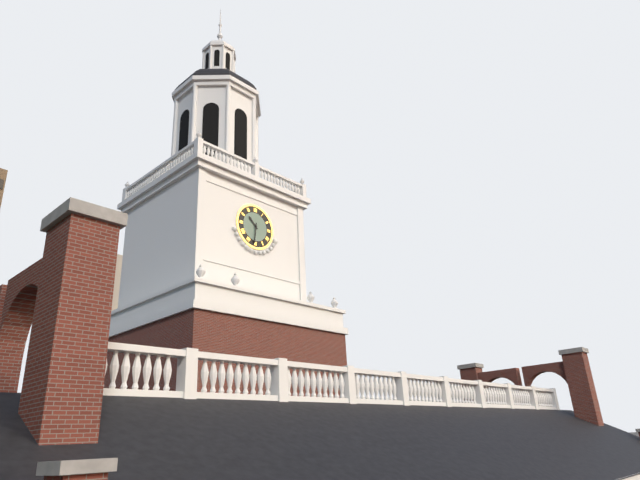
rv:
10 h 31 min
